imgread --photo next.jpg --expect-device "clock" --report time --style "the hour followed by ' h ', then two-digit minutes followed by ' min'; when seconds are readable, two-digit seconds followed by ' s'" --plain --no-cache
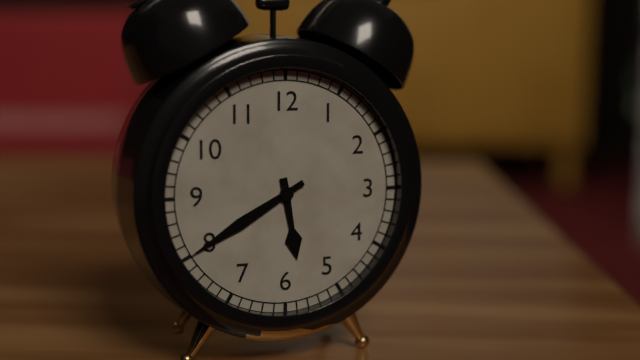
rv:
5 h 40 min
